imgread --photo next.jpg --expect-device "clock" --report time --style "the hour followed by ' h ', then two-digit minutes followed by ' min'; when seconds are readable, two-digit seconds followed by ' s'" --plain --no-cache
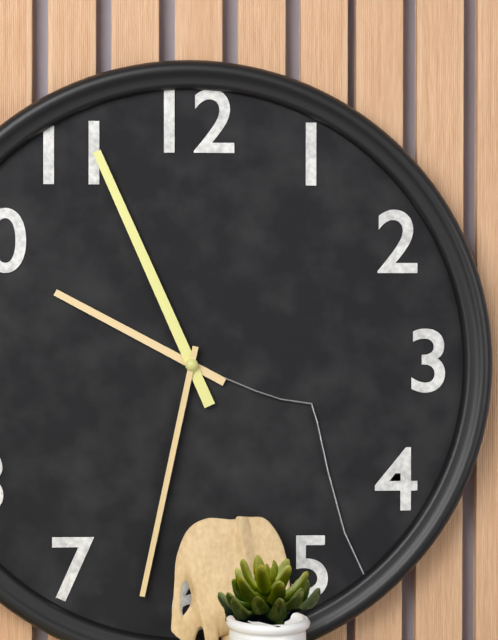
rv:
9 h 56 min 32 s
